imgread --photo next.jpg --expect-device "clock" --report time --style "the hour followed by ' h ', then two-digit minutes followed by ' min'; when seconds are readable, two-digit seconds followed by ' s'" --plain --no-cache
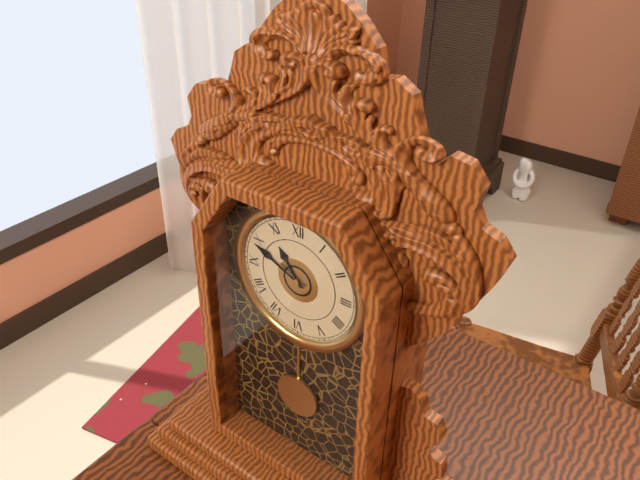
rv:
10 h 49 min
